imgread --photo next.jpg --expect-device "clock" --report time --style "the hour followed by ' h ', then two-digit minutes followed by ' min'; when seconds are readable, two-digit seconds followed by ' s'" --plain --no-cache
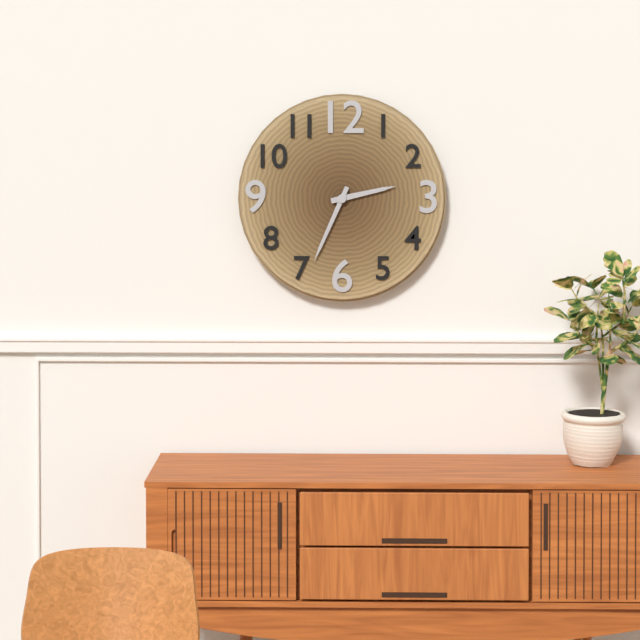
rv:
2 h 34 min
